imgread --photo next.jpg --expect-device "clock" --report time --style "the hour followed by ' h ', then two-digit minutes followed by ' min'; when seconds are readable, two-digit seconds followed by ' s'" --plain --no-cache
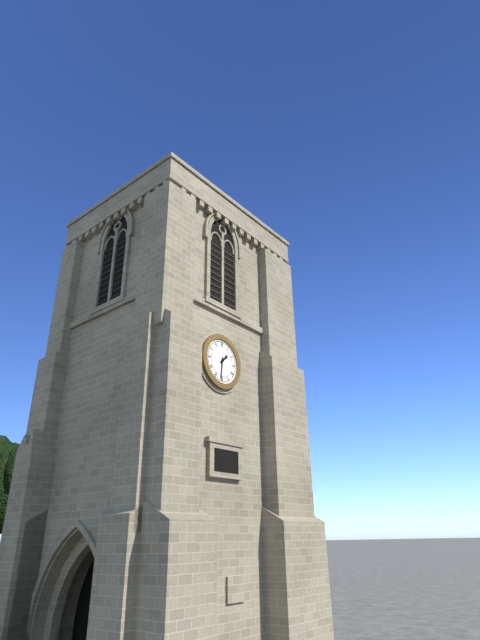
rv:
1 h 31 min
